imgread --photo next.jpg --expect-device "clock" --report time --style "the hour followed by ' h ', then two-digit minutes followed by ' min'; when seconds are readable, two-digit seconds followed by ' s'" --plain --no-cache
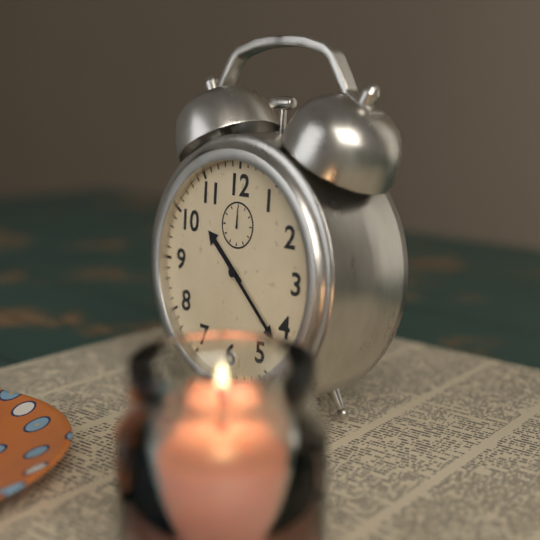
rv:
10 h 22 min
